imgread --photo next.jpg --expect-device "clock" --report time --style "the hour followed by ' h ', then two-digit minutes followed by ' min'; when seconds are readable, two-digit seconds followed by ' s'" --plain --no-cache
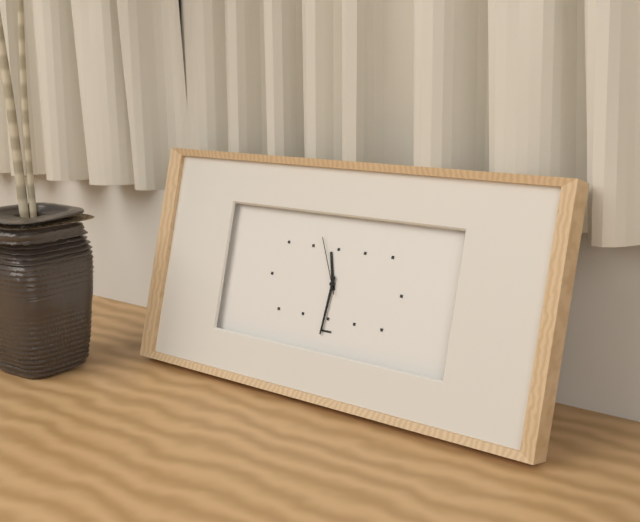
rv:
11 h 31 min 56 s
